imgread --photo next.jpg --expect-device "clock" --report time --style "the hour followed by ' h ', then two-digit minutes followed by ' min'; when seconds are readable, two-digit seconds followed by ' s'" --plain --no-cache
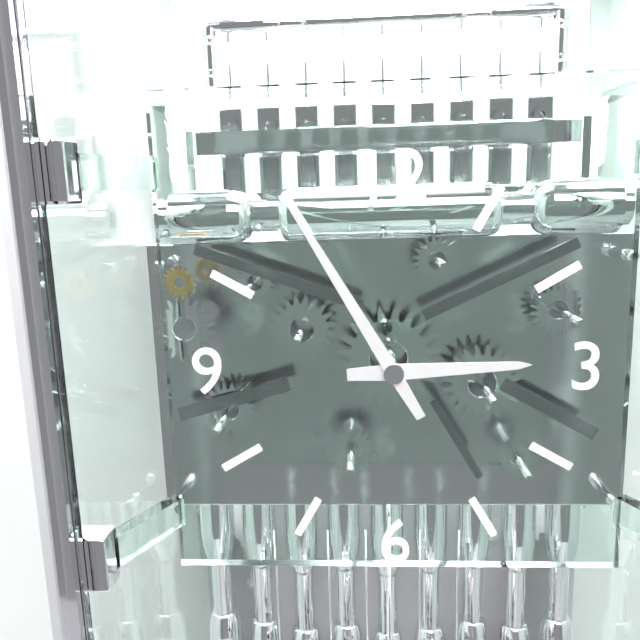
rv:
2 h 55 min
